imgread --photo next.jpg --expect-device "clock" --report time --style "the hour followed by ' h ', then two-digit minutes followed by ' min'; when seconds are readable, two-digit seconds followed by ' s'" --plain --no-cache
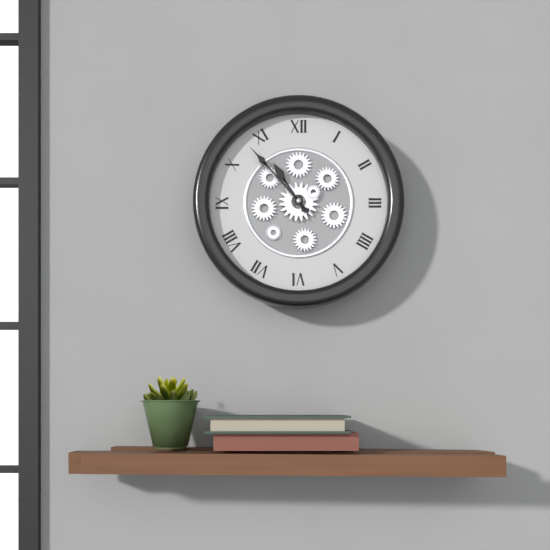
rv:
10 h 53 min
